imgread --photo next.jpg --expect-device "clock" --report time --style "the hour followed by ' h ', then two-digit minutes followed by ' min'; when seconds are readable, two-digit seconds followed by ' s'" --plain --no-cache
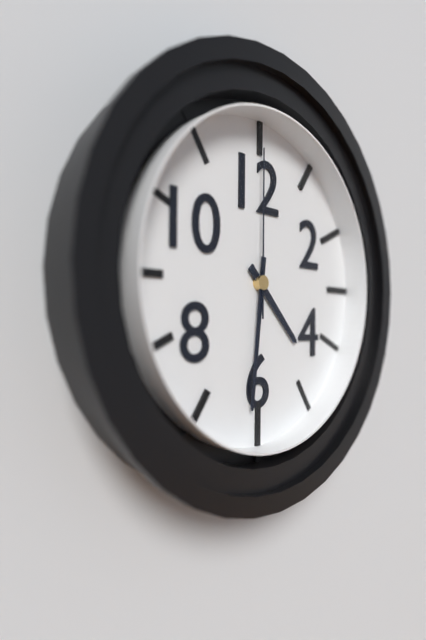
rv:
4 h 31 min 00 s
